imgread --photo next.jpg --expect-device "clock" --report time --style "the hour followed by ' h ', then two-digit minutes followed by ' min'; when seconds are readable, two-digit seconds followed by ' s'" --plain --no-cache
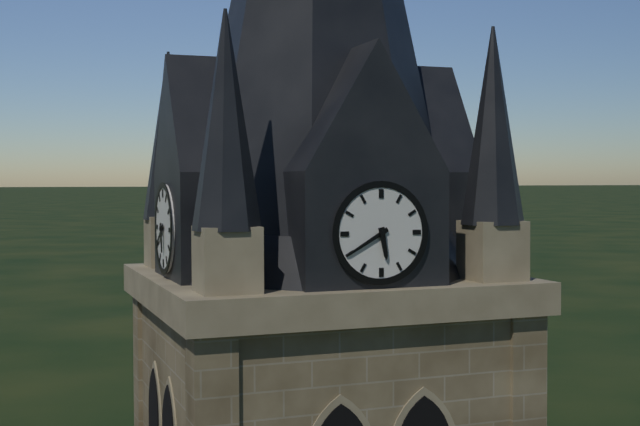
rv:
5 h 40 min
